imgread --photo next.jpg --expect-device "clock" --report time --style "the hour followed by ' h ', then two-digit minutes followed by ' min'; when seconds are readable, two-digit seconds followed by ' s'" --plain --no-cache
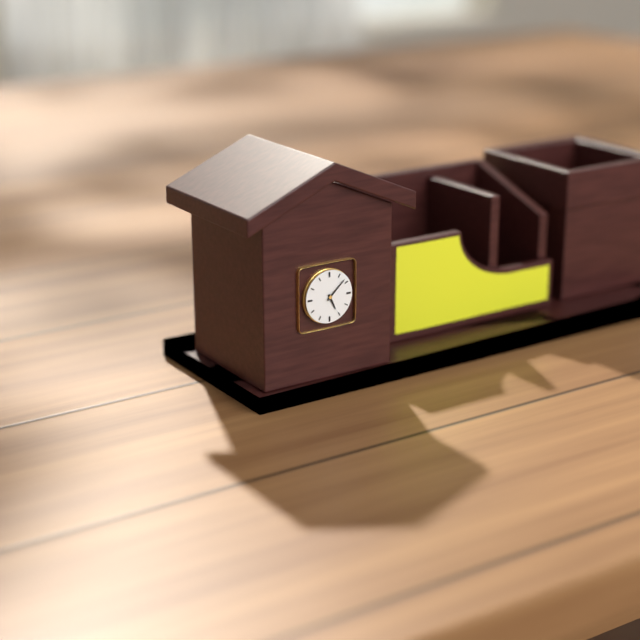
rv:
5 h 08 min
